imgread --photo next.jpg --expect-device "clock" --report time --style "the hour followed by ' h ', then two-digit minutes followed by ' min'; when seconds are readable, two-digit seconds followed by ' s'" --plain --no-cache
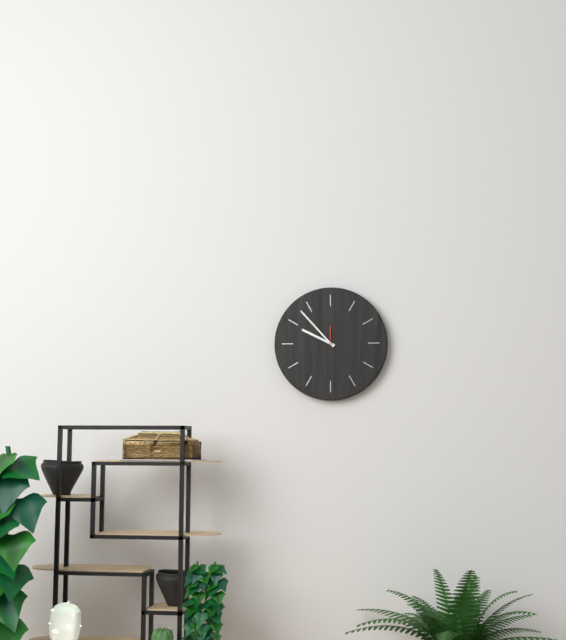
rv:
9 h 53 min
